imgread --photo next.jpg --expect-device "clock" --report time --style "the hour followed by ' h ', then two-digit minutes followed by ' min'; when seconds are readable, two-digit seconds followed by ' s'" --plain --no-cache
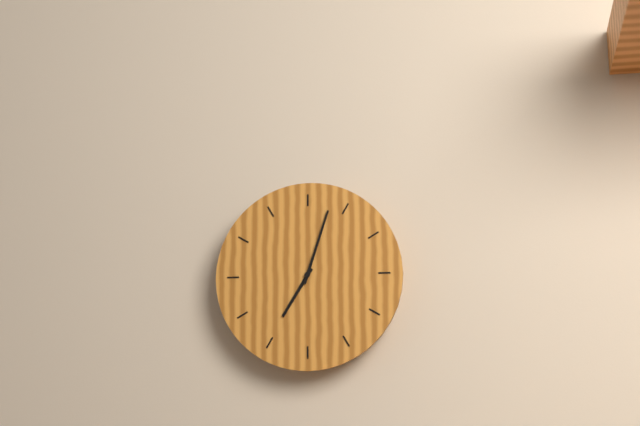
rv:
7 h 03 min
